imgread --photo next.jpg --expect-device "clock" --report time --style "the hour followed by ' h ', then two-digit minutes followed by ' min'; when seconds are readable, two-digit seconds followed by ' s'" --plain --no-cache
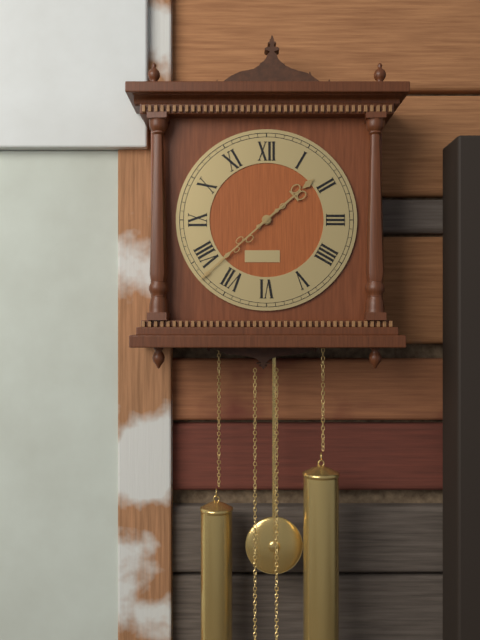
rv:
1 h 38 min
